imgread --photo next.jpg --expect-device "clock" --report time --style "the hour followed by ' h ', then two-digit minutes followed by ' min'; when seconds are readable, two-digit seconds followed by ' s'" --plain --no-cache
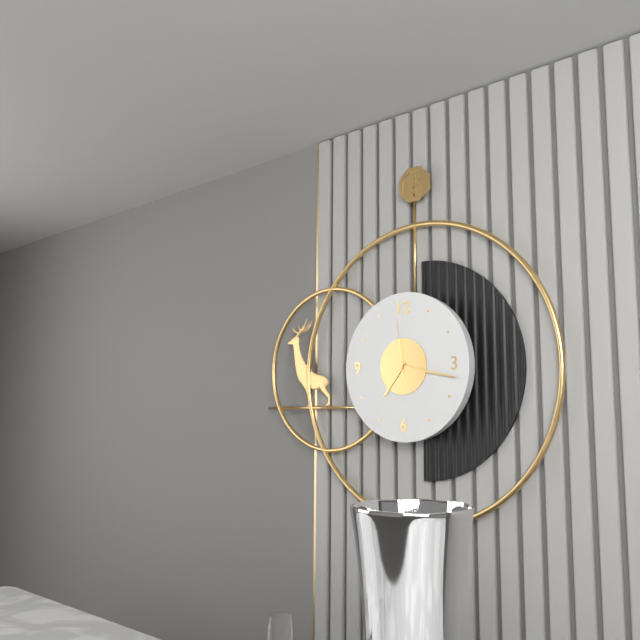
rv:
7 h 17 min 59 s
